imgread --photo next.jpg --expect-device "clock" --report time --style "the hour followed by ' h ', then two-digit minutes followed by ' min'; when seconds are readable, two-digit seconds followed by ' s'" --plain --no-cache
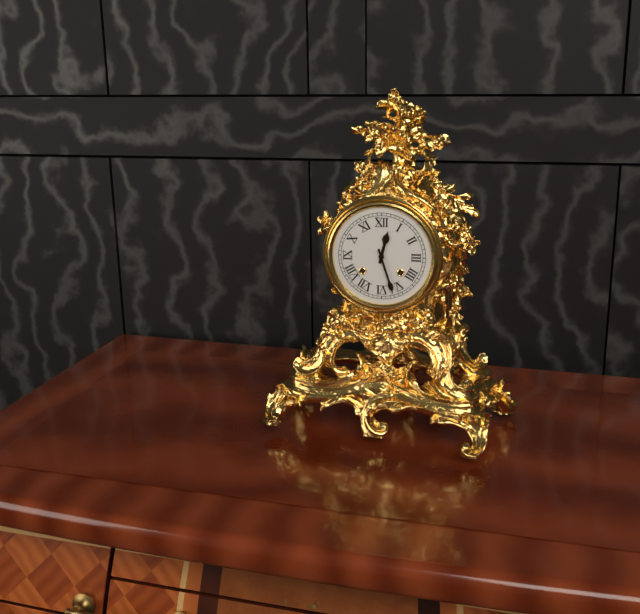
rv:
12 h 27 min
